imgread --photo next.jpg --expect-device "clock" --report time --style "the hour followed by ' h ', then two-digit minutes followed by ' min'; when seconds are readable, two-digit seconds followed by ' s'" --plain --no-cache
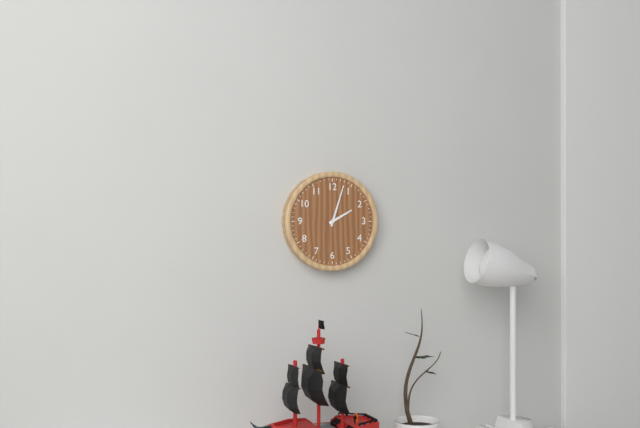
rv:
2 h 03 min
